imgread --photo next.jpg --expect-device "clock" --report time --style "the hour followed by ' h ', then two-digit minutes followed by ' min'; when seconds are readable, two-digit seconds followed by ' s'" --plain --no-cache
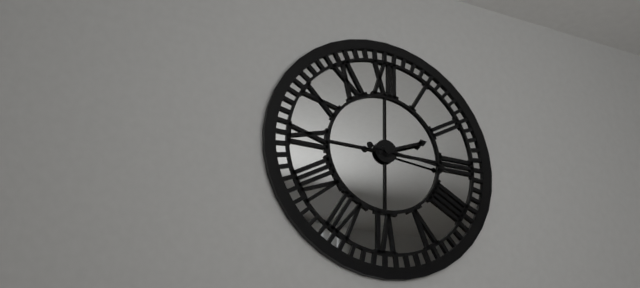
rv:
2 h 16 min
